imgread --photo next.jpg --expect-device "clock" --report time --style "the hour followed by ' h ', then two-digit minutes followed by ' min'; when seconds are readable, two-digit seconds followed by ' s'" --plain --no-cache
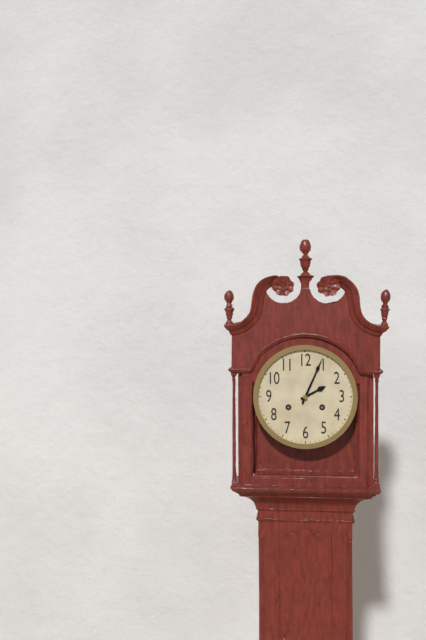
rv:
2 h 04 min
